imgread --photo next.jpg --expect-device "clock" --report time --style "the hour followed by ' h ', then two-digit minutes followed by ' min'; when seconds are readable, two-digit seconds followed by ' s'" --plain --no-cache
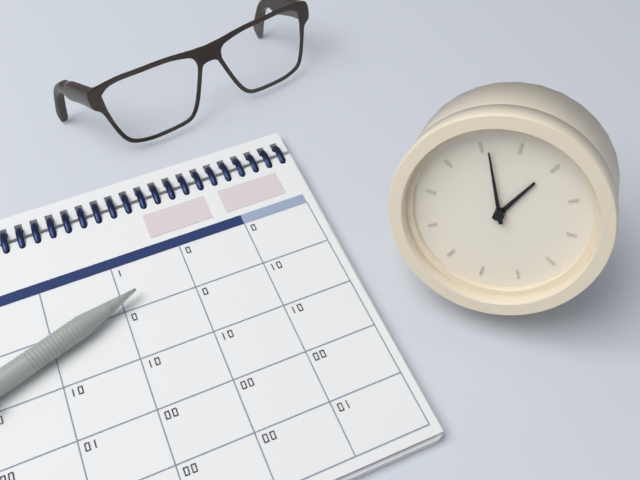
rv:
12 h 56 min
